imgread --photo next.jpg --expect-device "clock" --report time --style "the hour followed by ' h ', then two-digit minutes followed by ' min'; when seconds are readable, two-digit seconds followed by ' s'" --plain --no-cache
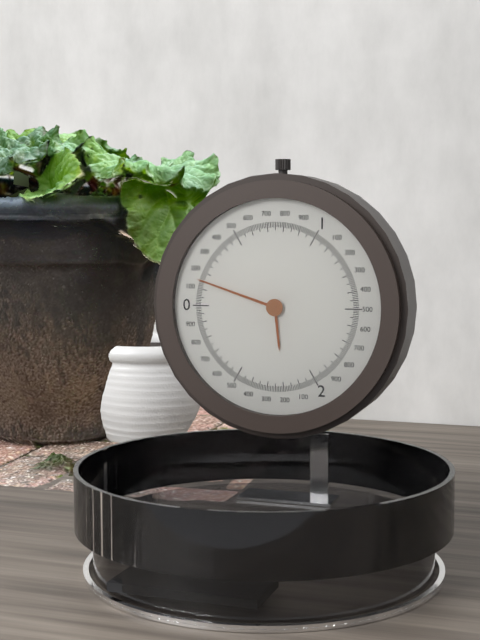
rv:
5 h 48 min
